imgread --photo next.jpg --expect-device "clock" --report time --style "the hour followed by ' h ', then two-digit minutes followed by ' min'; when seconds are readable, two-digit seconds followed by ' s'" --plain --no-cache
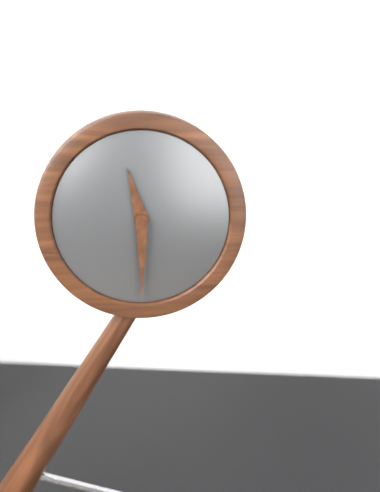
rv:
11 h 30 min
